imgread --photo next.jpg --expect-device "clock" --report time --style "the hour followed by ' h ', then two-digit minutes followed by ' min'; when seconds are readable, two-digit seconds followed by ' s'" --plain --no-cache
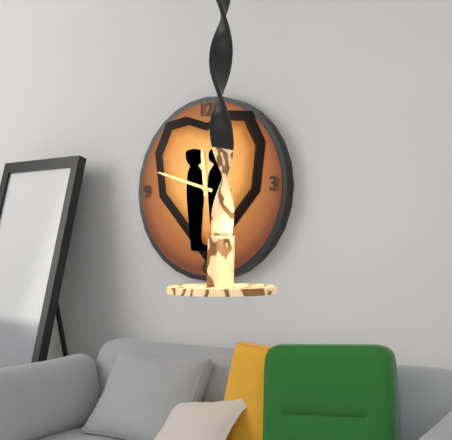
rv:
11 h 48 min
